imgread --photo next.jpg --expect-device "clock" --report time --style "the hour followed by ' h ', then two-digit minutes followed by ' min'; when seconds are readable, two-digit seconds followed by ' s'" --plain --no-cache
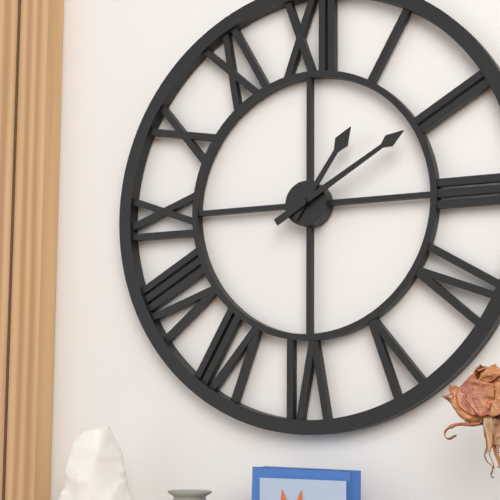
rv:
1 h 10 min
